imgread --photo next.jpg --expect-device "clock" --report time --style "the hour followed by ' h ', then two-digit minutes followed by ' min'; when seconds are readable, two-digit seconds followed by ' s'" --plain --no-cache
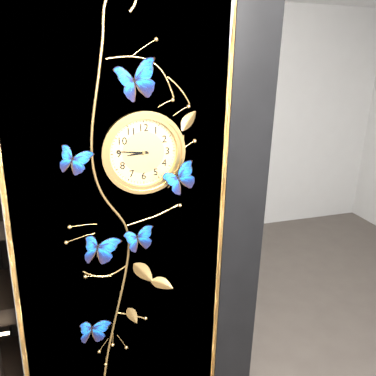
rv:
8 h 46 min
